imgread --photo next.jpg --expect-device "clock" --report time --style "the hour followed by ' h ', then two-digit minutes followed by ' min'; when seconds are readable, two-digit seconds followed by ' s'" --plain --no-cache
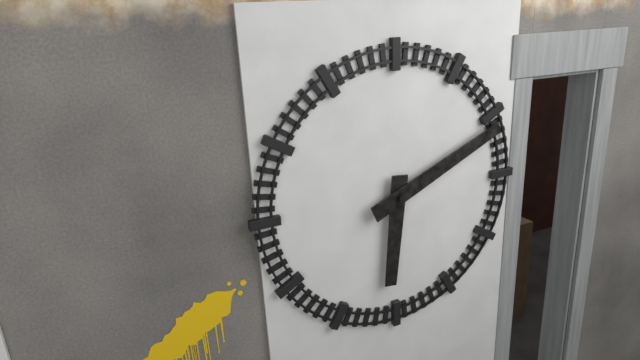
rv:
6 h 11 min
